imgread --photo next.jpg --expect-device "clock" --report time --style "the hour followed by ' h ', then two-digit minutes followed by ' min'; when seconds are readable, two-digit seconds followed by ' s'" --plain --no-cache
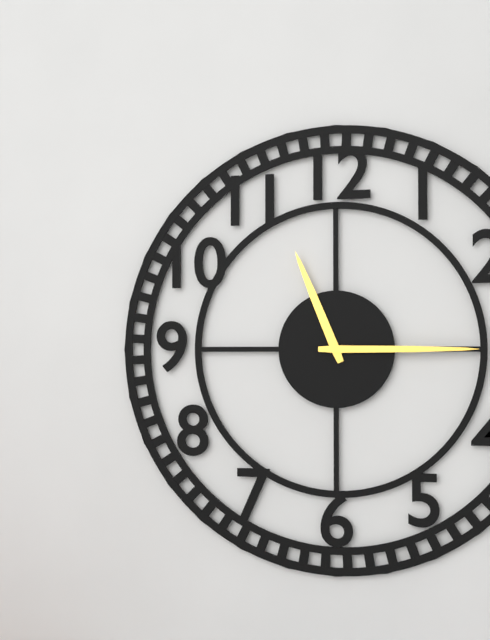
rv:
11 h 15 min
